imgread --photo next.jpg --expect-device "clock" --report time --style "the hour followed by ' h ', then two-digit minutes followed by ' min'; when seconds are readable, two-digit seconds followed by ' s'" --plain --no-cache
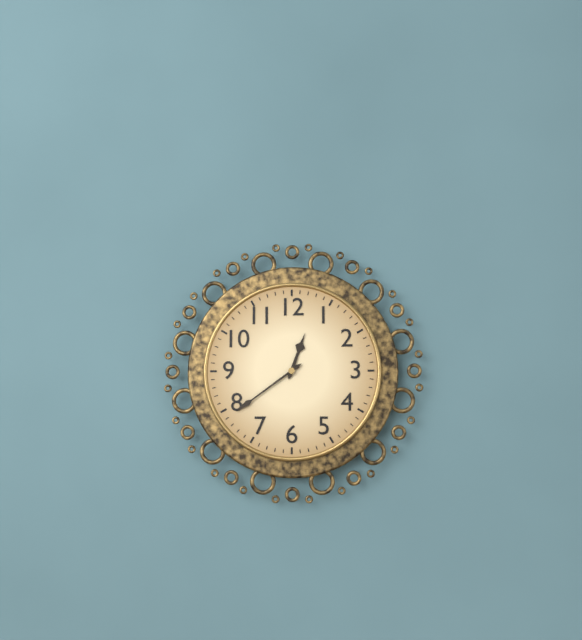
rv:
12 h 39 min
